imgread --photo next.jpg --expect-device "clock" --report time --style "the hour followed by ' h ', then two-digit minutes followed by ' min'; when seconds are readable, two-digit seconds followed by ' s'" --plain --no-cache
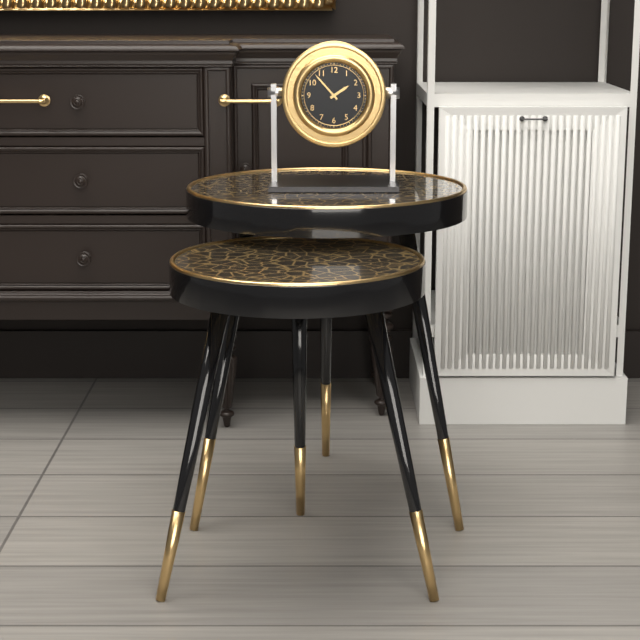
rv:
1 h 53 min
